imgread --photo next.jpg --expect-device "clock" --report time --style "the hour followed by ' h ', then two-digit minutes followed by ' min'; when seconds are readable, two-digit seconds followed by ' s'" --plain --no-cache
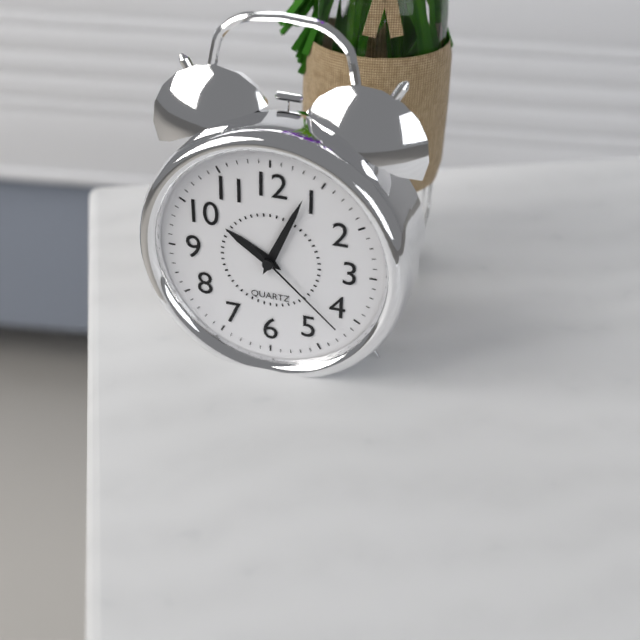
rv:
10 h 04 min 22 s
